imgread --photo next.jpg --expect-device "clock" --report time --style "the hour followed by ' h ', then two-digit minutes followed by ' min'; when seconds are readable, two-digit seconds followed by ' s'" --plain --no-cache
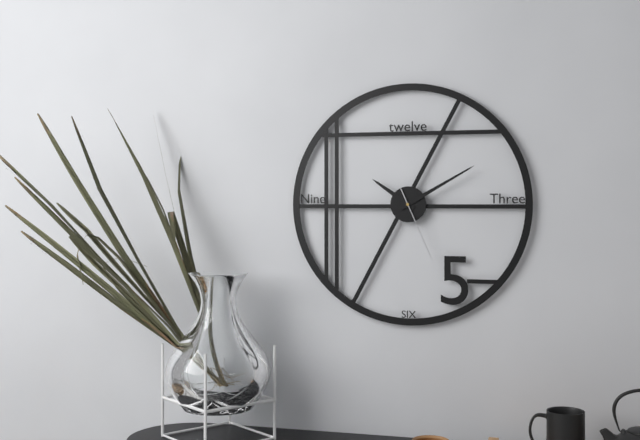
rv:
10 h 10 min 26 s
